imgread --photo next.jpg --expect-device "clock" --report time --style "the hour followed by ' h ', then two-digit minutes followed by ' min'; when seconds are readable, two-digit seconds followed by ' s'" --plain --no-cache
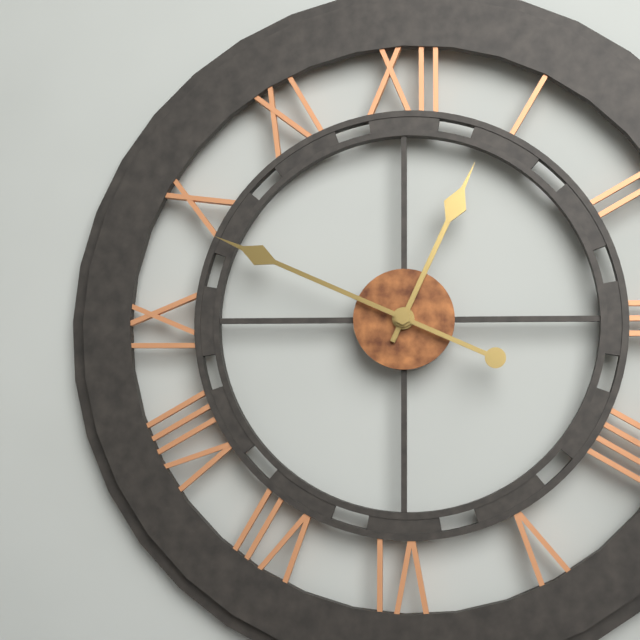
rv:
12 h 49 min
